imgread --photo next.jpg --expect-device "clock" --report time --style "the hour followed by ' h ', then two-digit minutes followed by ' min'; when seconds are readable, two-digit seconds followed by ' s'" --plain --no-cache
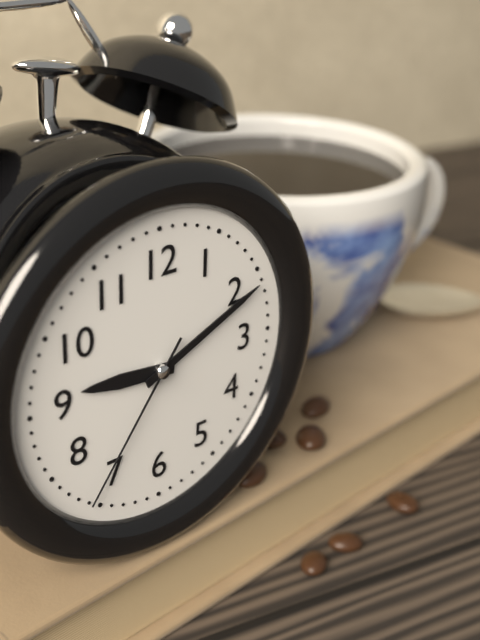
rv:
9 h 11 min 36 s
